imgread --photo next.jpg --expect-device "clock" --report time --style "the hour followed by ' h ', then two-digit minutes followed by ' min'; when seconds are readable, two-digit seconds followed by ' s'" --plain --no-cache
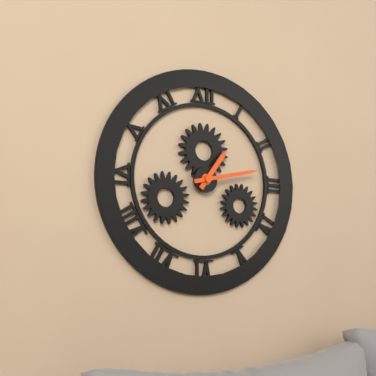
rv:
1 h 13 min
